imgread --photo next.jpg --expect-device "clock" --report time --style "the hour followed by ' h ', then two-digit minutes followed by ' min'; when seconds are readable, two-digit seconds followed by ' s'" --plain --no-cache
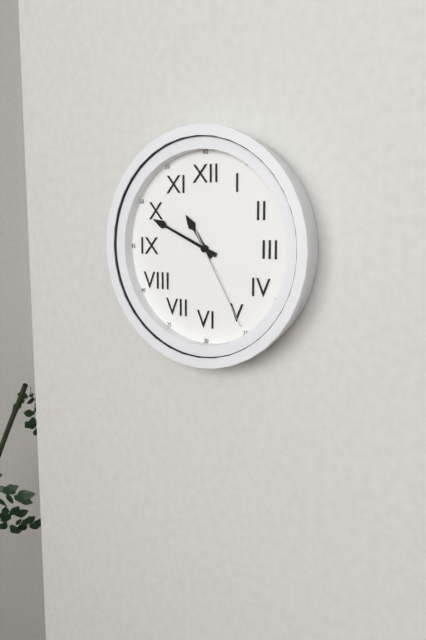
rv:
10 h 49 min 25 s
